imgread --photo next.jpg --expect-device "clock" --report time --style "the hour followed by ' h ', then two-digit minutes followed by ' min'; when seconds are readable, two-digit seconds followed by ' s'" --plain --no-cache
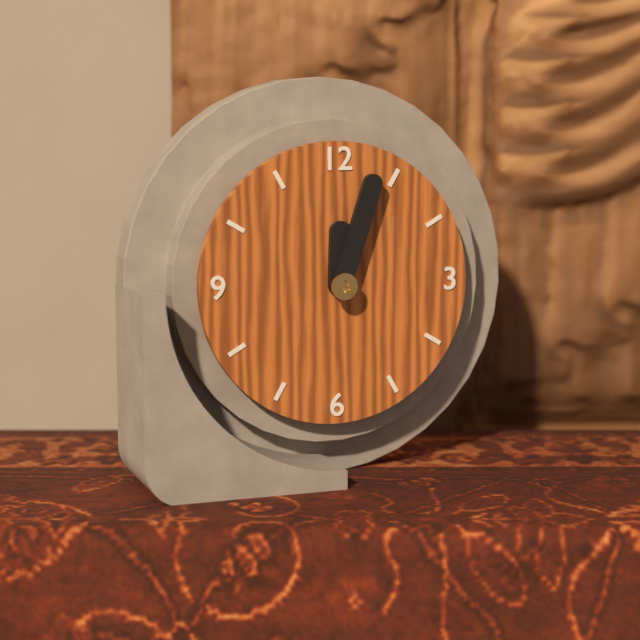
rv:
12 h 03 min
